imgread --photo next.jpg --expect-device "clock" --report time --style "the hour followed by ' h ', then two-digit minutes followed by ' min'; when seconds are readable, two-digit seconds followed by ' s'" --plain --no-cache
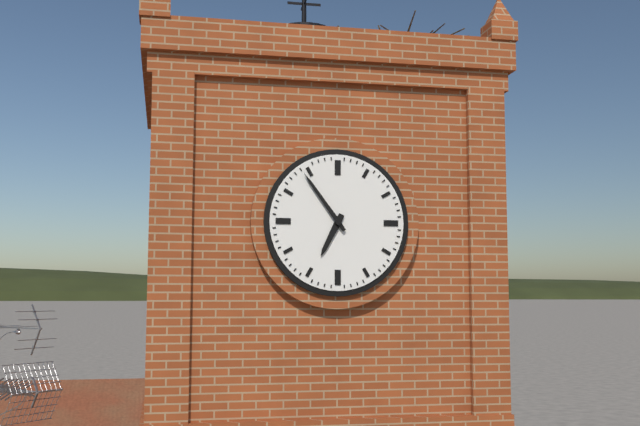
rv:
6 h 54 min
